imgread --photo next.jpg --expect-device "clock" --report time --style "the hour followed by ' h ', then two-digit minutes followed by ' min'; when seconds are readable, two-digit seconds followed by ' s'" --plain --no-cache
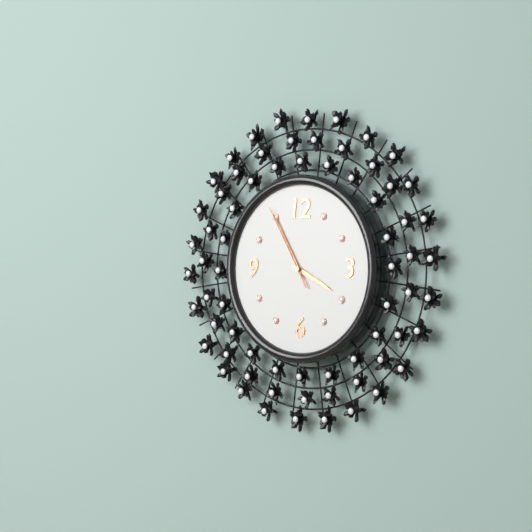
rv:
3 h 55 min 55 s
